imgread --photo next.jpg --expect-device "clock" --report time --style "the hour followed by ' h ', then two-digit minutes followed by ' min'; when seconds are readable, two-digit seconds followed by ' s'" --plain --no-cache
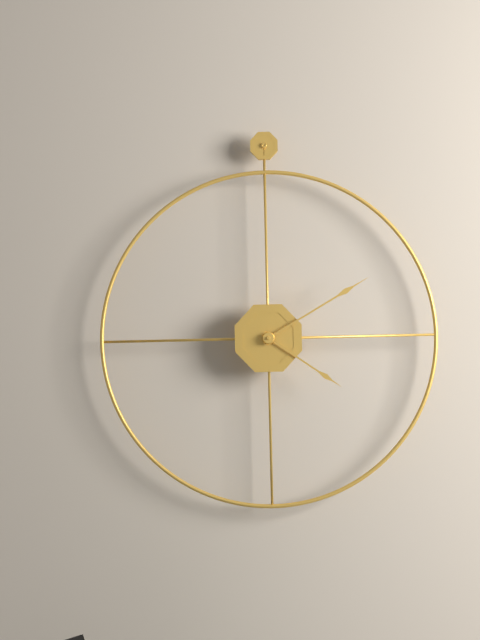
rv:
4 h 10 min
